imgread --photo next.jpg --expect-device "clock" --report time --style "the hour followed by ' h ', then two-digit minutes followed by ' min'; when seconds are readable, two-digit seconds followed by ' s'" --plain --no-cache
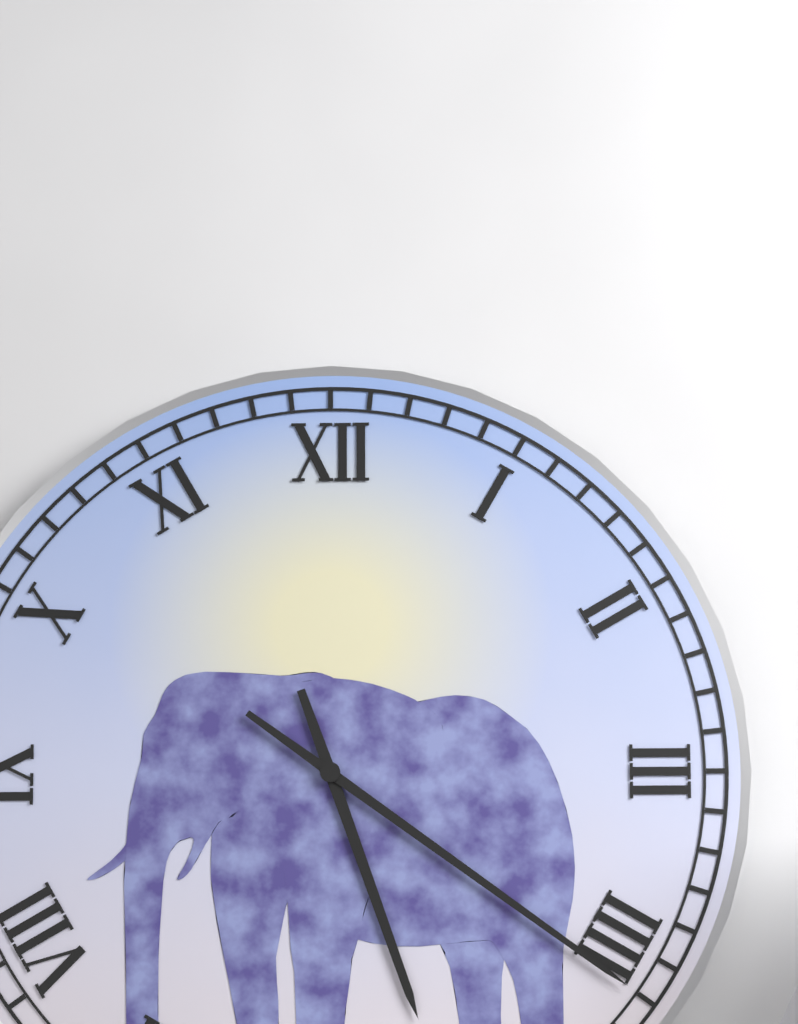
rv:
5 h 21 min
